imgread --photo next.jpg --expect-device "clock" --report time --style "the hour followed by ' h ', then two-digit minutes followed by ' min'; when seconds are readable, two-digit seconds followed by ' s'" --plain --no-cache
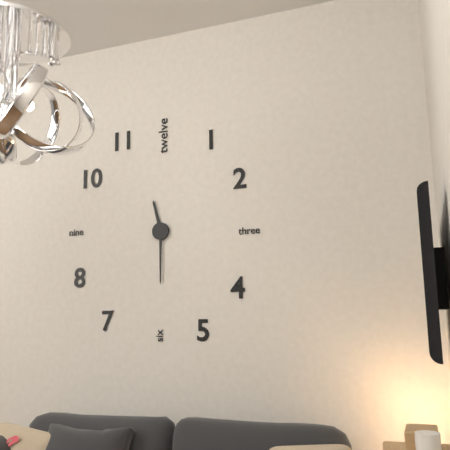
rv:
11 h 30 min
